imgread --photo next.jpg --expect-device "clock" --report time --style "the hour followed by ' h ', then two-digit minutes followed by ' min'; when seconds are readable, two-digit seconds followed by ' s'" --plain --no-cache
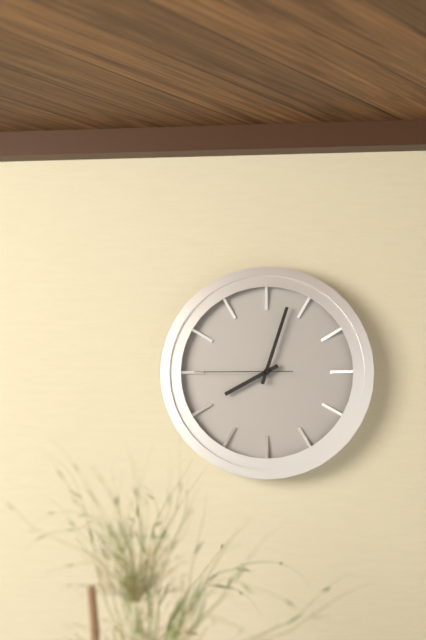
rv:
8 h 03 min 45 s
